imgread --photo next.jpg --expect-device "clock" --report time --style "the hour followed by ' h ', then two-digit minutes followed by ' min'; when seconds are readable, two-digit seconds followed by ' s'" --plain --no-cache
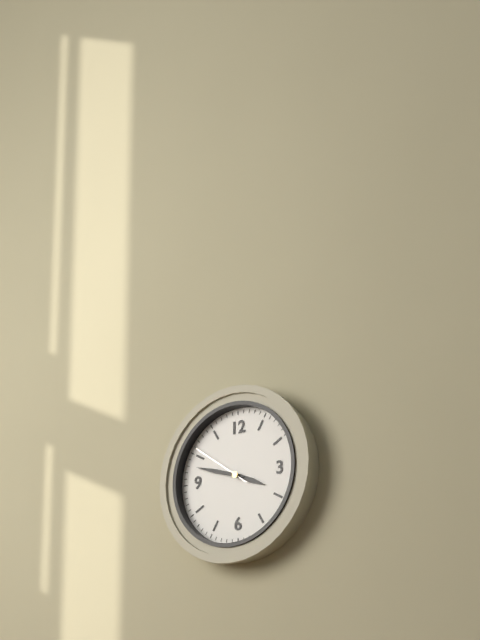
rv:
3 h 48 min 51 s
